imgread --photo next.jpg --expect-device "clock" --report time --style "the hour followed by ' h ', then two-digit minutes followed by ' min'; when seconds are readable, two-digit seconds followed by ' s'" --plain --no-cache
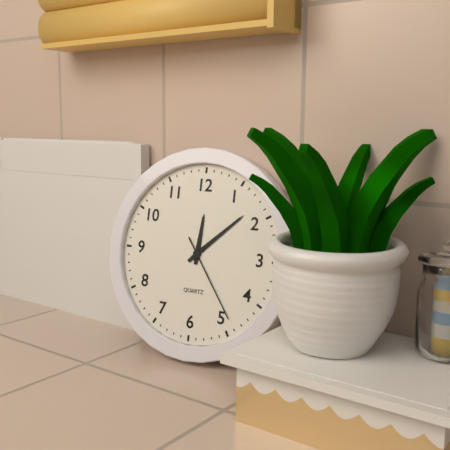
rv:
12 h 08 min 24 s
